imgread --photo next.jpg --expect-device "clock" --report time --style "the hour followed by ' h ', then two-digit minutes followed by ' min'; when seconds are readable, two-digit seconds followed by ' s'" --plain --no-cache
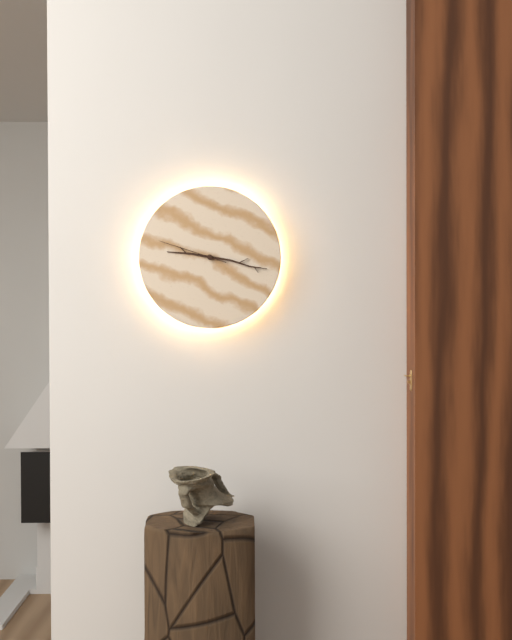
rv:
9 h 17 min 48 s
